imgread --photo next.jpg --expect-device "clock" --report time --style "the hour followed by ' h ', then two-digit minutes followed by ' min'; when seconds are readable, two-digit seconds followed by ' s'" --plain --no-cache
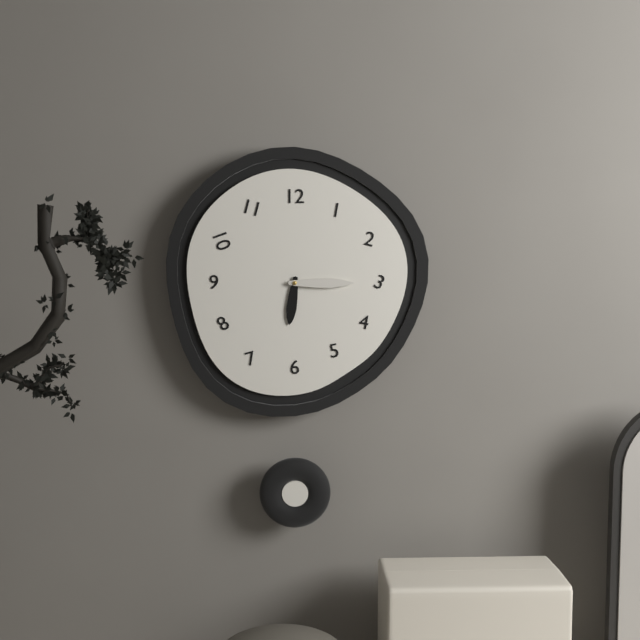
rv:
6 h 15 min
